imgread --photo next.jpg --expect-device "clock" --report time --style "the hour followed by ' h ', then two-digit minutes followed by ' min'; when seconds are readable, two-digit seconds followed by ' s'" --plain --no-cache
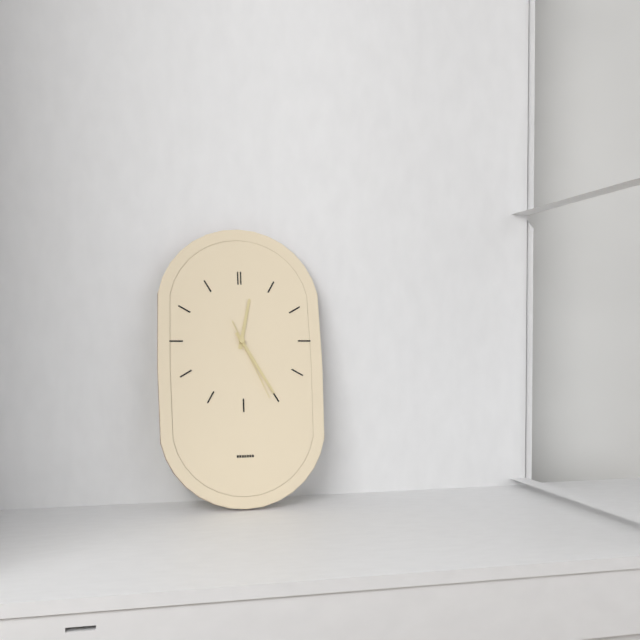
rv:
12 h 25 min 26 s
